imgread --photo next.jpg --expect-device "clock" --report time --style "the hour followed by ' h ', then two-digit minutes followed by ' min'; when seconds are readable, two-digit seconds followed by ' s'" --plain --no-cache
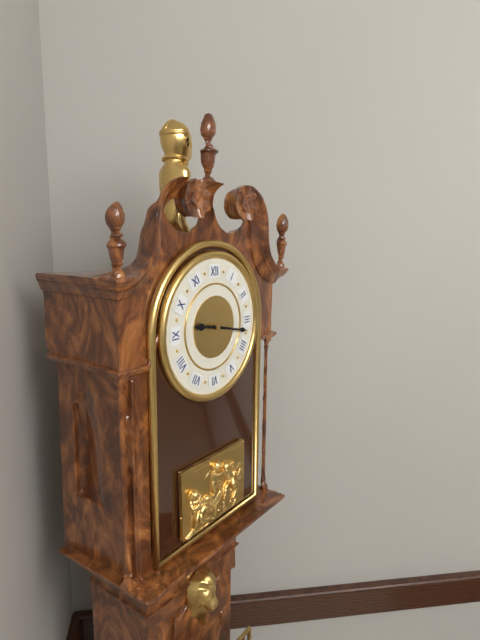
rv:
9 h 17 min
